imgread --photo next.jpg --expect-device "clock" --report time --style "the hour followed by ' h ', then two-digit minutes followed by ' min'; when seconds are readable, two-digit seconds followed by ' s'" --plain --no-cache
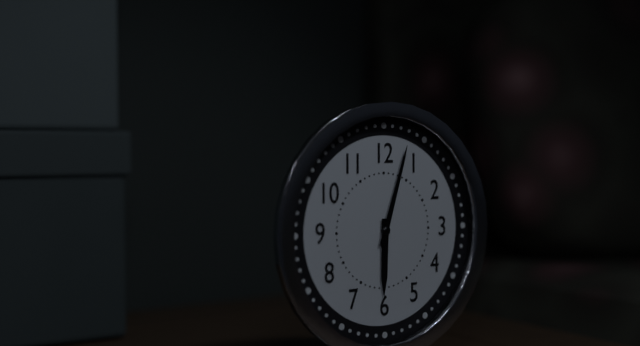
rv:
6 h 03 min
